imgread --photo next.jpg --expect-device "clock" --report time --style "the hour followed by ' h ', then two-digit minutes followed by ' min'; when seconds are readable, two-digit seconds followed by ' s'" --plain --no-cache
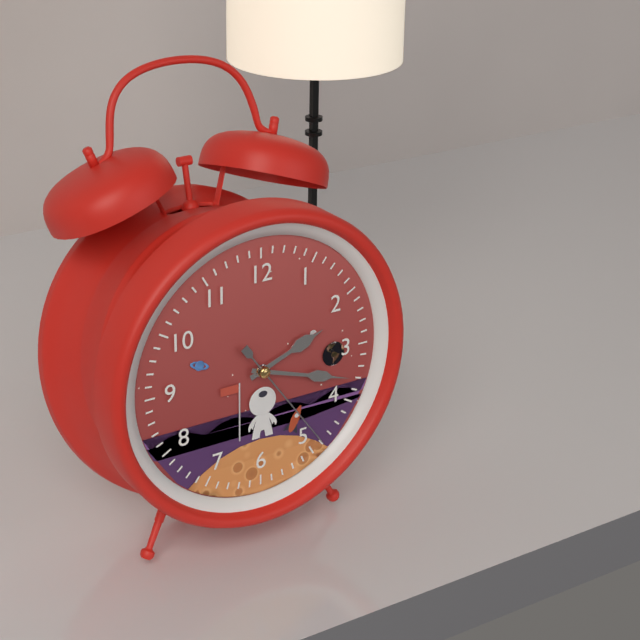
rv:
2 h 18 min 24 s
